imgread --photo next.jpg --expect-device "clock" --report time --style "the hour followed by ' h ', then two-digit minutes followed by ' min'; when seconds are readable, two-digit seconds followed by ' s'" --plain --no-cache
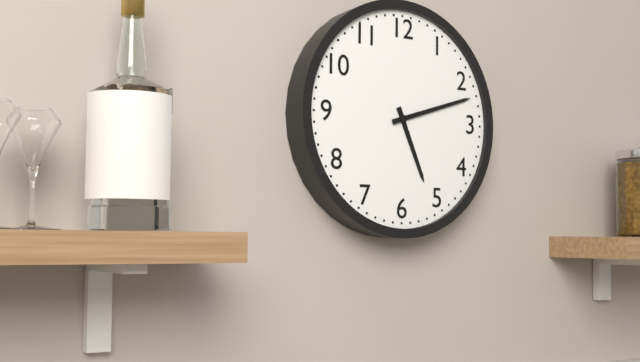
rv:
5 h 12 min
